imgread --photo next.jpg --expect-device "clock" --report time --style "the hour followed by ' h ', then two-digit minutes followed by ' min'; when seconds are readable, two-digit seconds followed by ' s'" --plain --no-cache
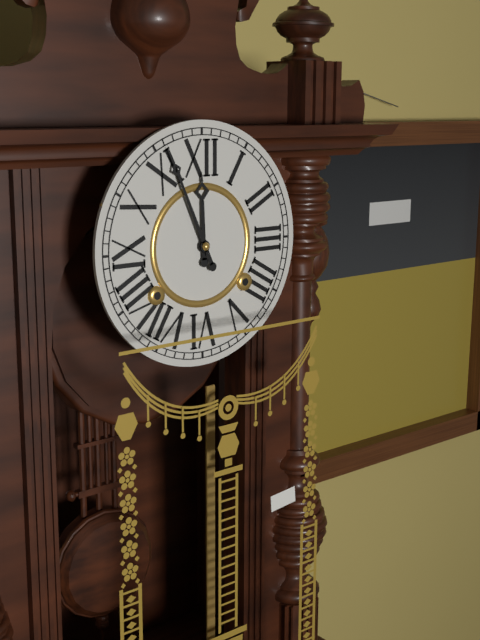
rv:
11 h 56 min
